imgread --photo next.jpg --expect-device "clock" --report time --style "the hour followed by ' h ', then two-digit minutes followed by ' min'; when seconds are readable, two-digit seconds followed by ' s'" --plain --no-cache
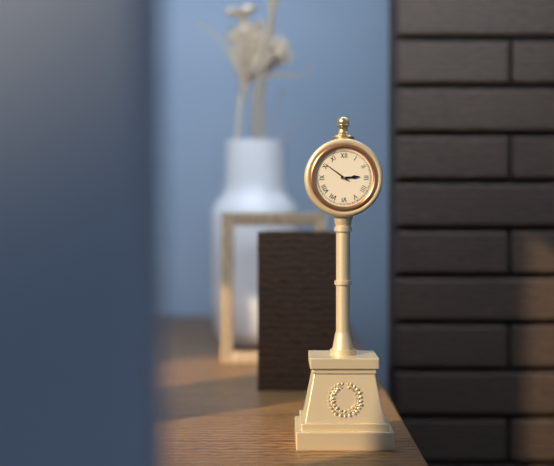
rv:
2 h 51 min
